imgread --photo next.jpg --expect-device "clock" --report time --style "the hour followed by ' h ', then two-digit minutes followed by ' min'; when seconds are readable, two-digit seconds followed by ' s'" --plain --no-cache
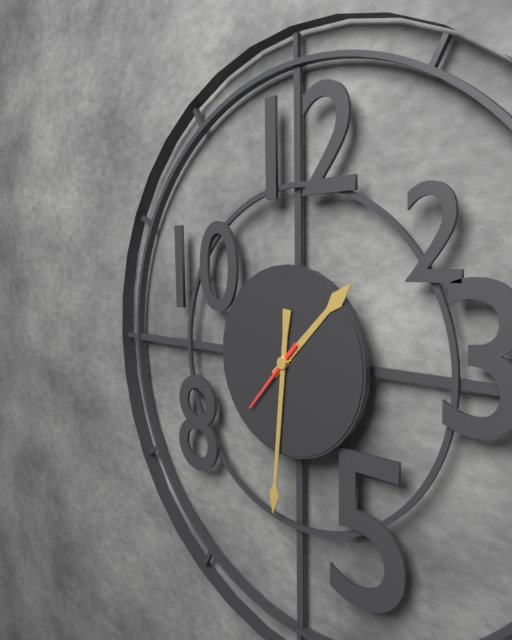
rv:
1 h 31 min 37 s
